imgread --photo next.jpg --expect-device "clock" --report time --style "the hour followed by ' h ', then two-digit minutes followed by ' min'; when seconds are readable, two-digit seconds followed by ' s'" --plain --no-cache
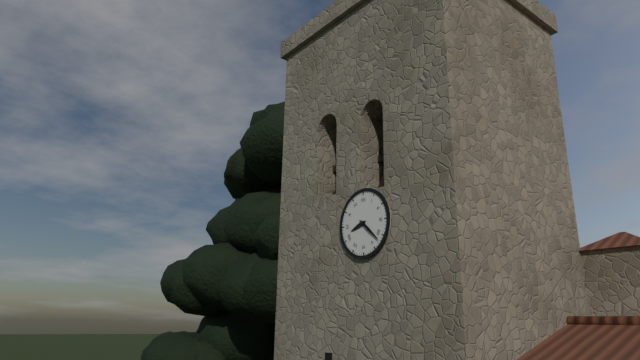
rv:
8 h 22 min
